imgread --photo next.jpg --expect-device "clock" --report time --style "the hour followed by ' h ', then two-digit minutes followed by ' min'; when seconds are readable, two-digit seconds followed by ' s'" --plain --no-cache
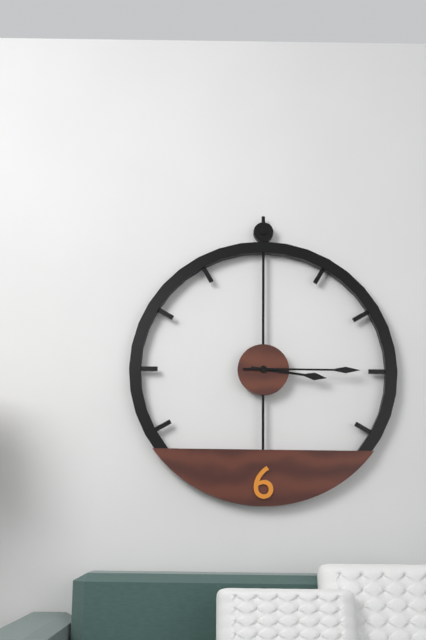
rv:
3 h 15 min
